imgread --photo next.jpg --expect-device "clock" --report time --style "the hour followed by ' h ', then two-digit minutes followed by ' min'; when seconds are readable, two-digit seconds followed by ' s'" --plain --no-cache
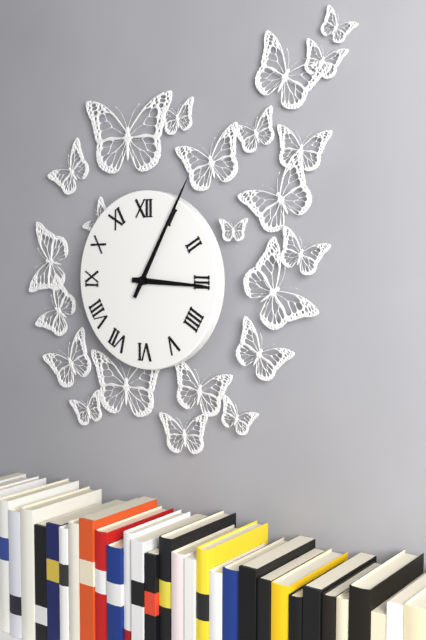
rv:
3 h 05 min
